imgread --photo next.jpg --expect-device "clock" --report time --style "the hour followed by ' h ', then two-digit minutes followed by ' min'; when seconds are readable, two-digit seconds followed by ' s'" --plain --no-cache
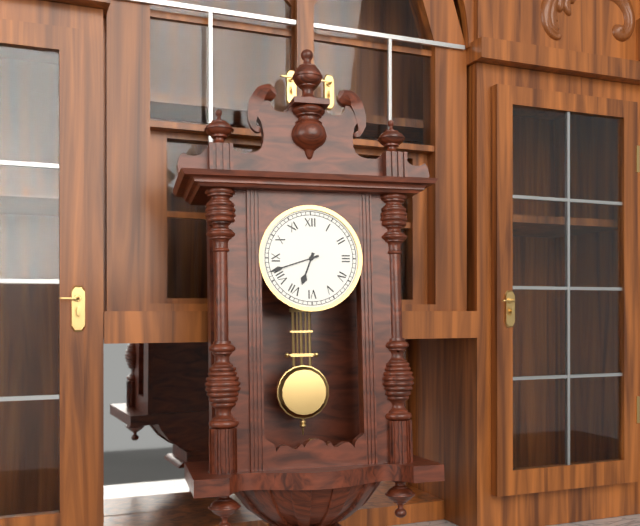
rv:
6 h 42 min
